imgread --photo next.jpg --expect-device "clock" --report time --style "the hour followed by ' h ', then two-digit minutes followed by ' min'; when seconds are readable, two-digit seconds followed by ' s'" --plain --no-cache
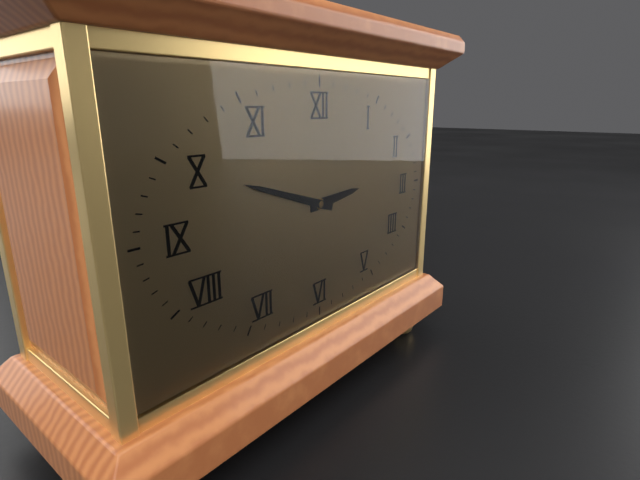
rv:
2 h 48 min
